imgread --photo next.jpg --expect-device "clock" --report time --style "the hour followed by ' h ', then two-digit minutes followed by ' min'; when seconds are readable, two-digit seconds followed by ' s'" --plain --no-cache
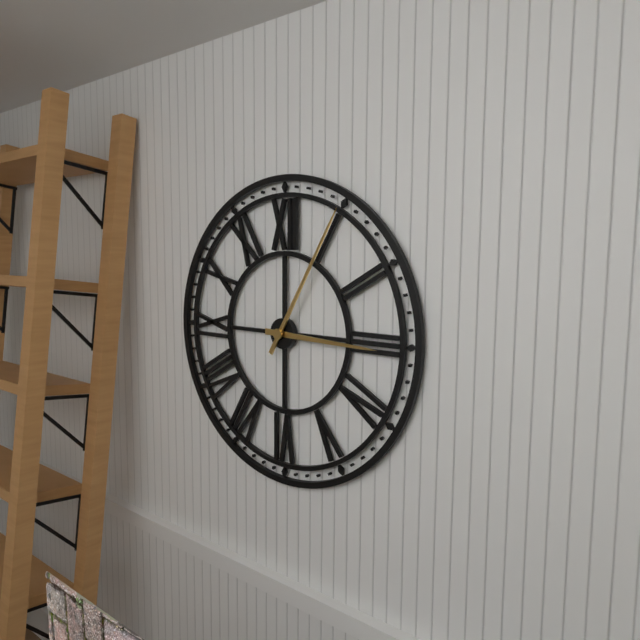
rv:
3 h 05 min
